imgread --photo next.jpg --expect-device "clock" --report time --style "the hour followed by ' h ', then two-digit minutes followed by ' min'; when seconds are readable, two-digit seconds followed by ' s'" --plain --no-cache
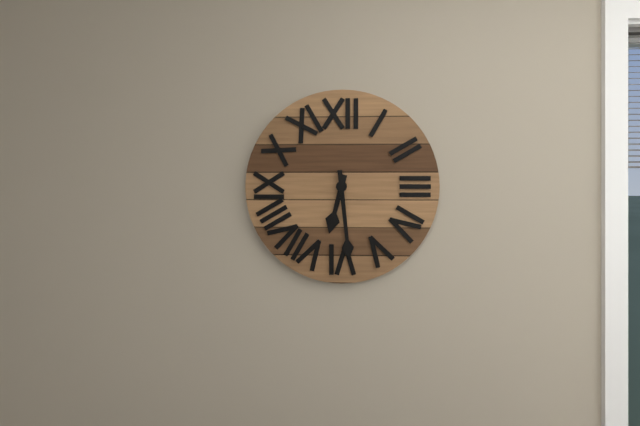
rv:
6 h 29 min
